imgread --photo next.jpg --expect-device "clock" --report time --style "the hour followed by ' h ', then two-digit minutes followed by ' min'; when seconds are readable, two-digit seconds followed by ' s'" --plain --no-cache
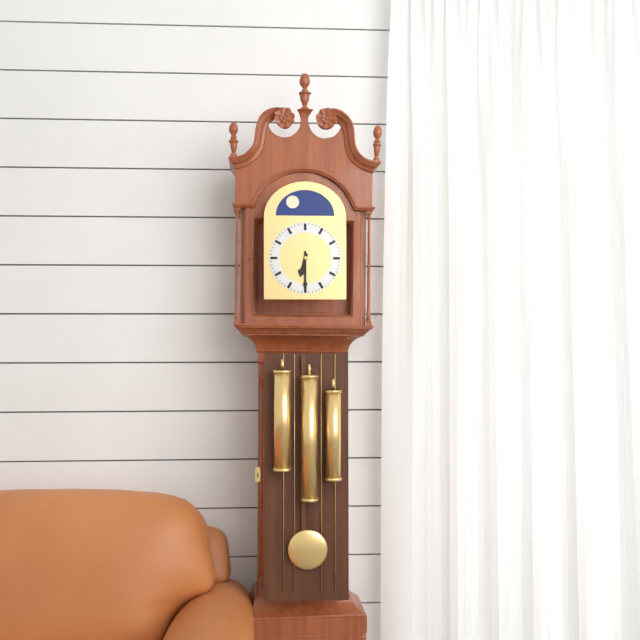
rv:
6 h 30 min
